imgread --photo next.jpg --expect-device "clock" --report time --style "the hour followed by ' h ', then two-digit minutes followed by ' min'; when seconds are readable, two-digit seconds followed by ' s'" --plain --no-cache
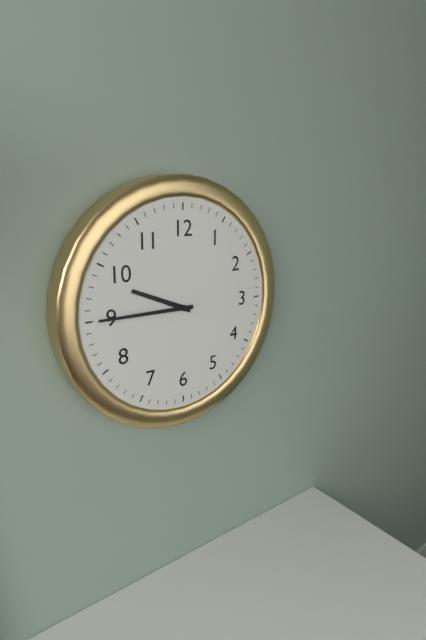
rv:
9 h 45 min
